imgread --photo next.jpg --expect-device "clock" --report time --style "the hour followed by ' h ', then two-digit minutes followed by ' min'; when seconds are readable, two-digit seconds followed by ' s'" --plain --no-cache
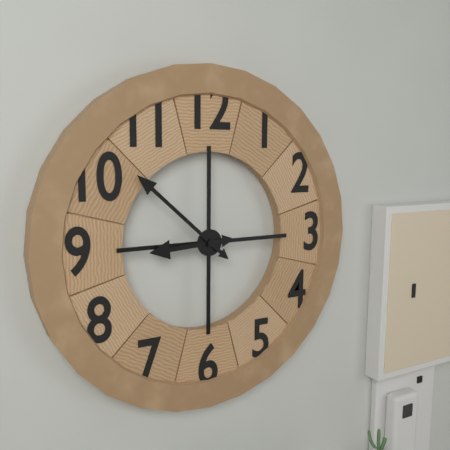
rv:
8 h 52 min
